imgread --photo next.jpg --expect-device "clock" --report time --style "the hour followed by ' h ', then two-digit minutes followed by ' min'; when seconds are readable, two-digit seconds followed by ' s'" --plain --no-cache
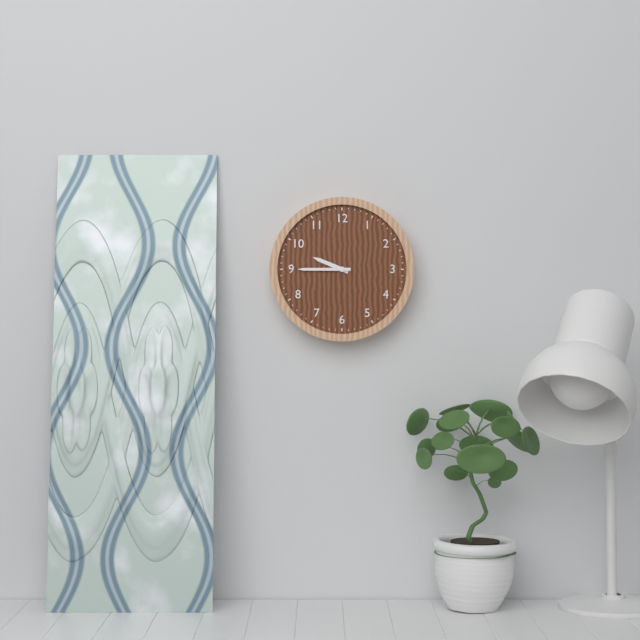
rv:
9 h 45 min
